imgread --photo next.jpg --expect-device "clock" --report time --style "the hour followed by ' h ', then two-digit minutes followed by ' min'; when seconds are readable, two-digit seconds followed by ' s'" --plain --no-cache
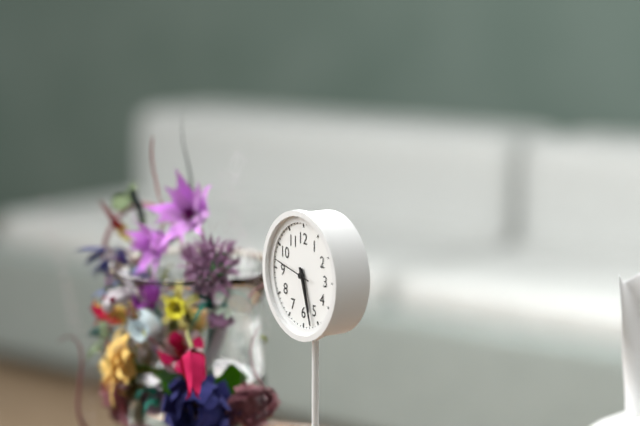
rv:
5 h 27 min
